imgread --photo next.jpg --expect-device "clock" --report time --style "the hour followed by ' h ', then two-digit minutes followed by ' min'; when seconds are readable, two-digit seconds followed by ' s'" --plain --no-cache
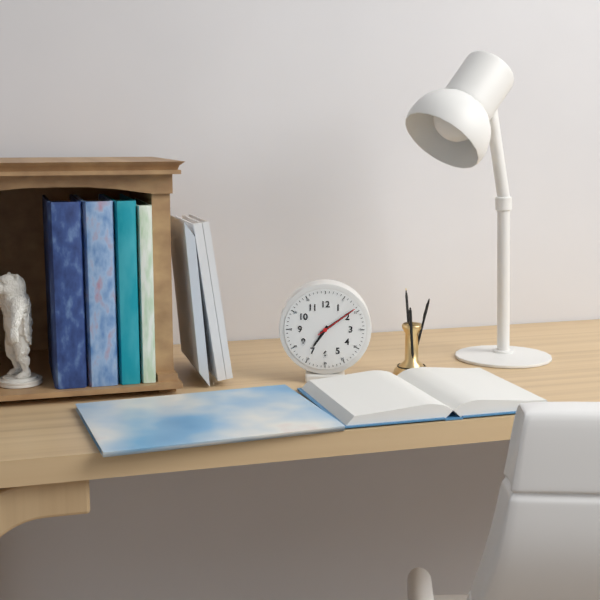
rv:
7 h 09 min
